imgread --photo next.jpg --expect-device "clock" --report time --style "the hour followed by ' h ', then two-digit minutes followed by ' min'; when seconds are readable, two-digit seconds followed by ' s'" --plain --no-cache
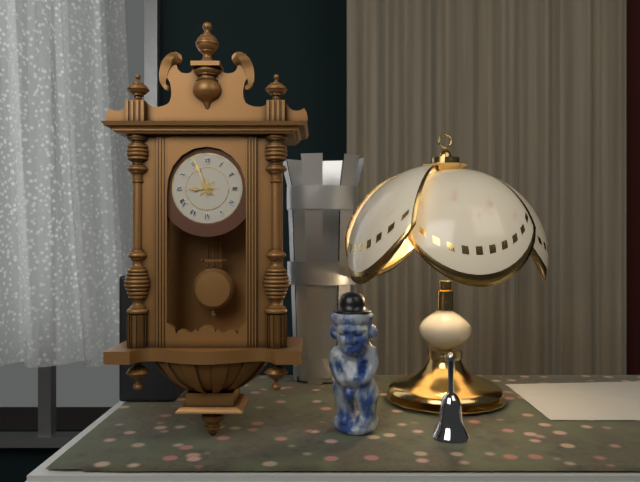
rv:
8 h 56 min
